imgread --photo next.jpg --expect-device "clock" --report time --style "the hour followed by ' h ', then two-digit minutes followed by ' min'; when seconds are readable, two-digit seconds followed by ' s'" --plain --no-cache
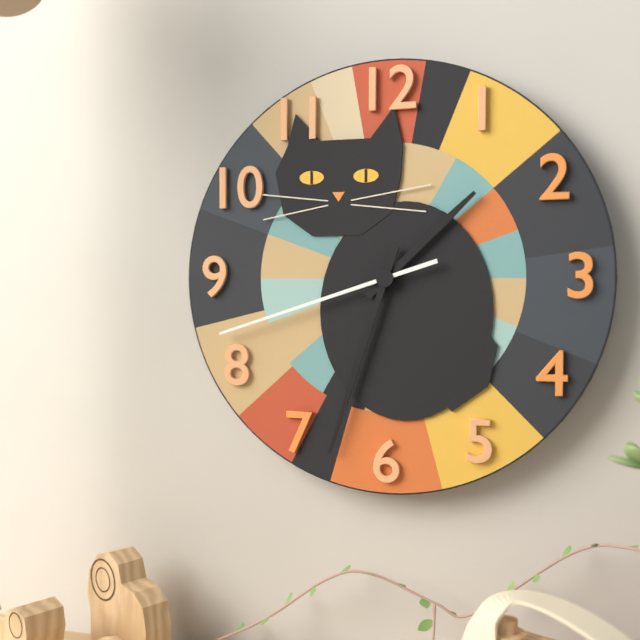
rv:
1 h 33 min 42 s
